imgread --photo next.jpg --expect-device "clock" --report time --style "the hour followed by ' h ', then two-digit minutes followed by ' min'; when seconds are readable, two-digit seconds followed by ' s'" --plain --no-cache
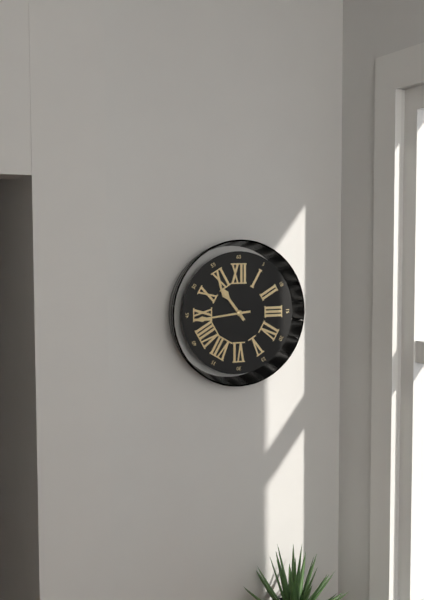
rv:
10 h 44 min
